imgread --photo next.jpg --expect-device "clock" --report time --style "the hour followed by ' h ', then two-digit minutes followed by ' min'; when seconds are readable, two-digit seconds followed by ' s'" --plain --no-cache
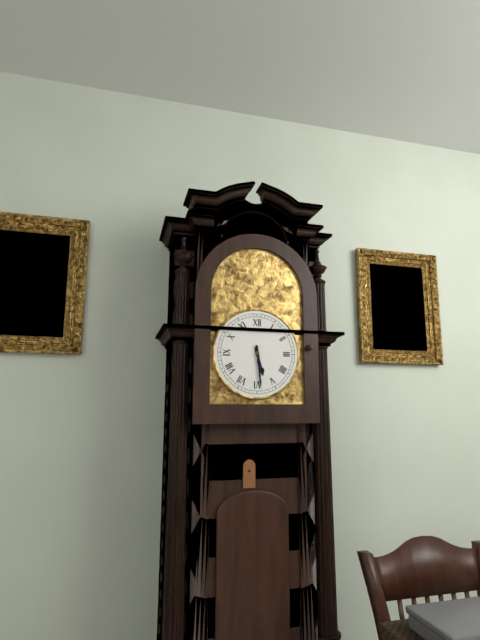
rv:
5 h 29 min
